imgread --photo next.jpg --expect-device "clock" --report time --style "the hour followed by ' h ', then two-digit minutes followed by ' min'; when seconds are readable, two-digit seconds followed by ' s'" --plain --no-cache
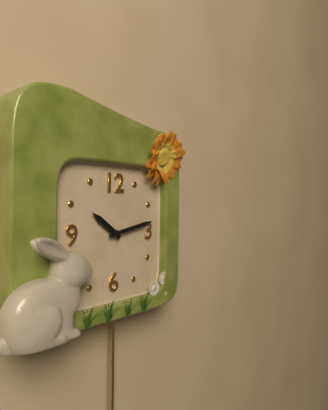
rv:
10 h 13 min
